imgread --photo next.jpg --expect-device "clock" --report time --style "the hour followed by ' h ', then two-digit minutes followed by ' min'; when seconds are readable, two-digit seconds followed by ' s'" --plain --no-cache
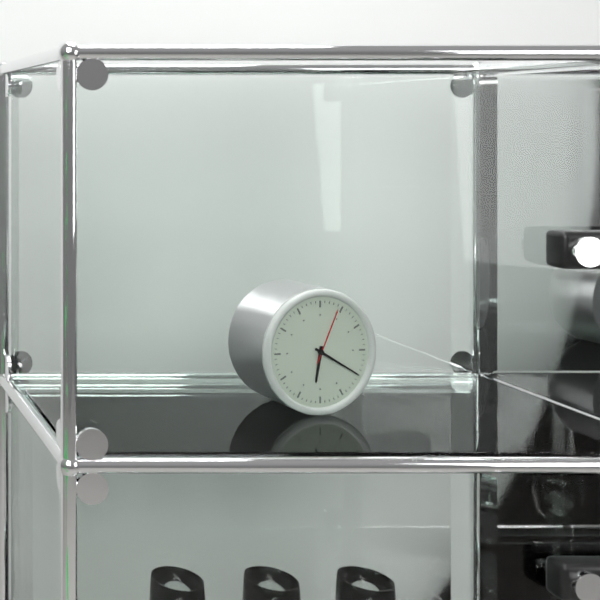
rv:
6 h 20 min 04 s
